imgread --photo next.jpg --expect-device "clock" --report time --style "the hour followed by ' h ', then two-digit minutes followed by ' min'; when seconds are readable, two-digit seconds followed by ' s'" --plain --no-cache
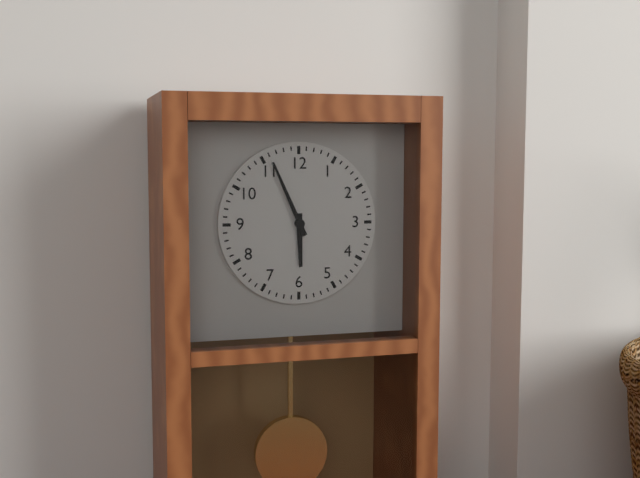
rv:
5 h 56 min
